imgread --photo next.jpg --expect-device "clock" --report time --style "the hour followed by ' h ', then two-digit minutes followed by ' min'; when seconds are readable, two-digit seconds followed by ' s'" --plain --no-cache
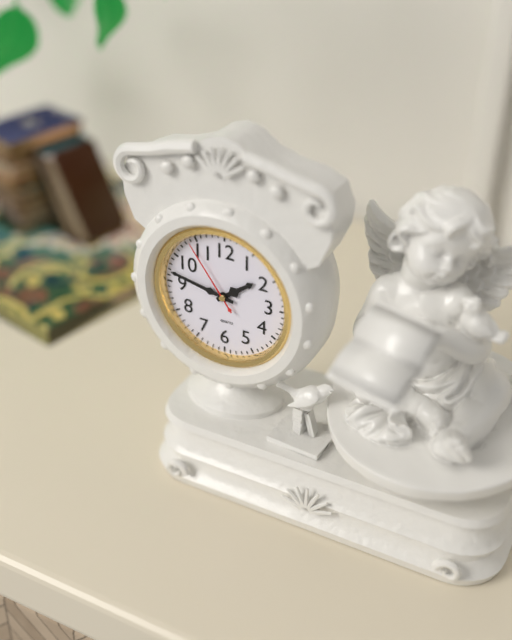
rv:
1 h 47 min 54 s
